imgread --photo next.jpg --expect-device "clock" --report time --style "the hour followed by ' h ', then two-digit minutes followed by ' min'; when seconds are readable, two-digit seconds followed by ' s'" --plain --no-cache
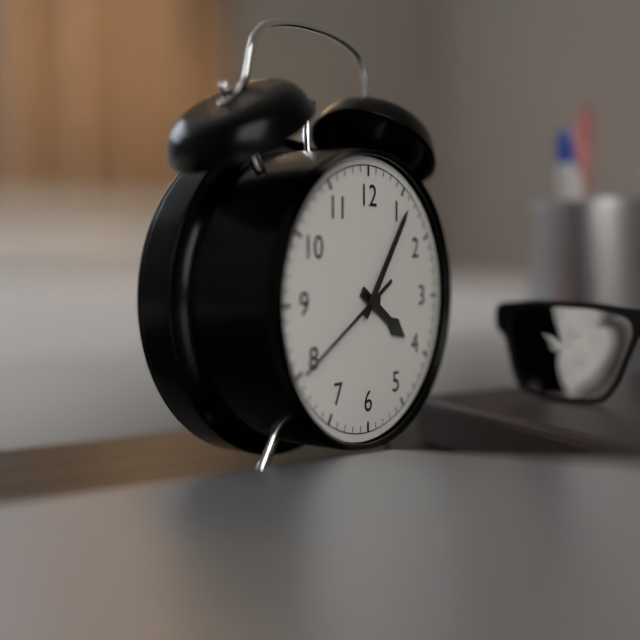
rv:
4 h 06 min 40 s
